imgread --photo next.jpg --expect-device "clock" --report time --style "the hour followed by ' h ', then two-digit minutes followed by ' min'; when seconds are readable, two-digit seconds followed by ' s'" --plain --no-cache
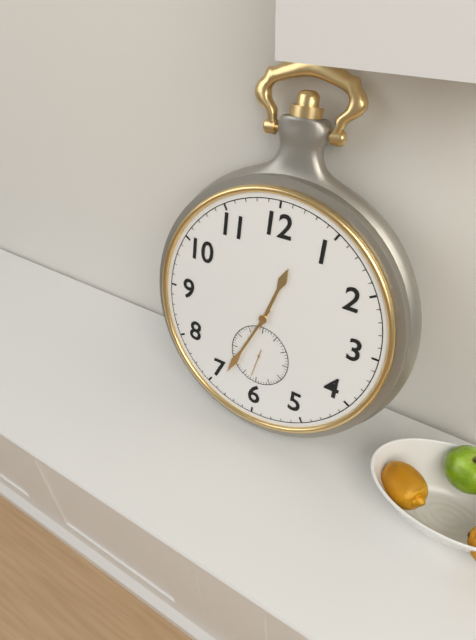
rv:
12 h 34 min
